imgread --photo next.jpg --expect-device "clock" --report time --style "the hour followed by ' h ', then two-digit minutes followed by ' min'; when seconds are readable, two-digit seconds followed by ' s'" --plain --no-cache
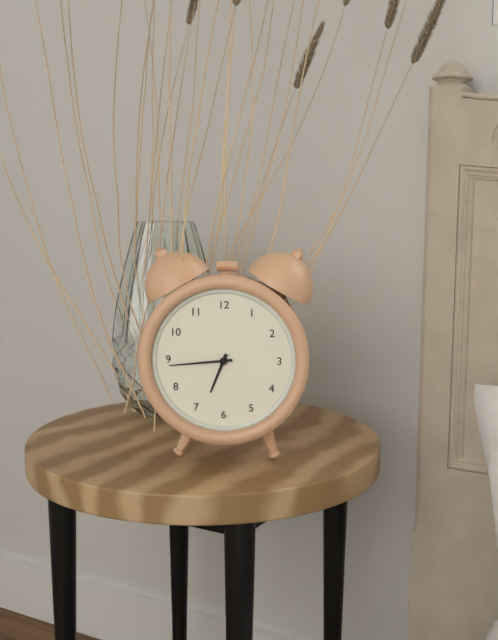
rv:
6 h 44 min
